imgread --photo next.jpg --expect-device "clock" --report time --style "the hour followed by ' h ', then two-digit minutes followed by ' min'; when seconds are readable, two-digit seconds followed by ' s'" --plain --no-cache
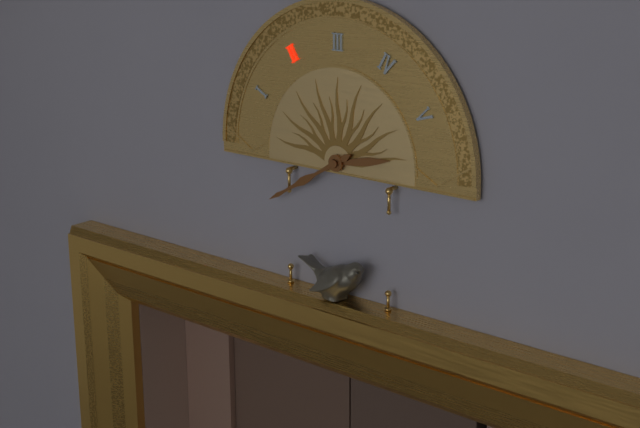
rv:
2 h 40 min
